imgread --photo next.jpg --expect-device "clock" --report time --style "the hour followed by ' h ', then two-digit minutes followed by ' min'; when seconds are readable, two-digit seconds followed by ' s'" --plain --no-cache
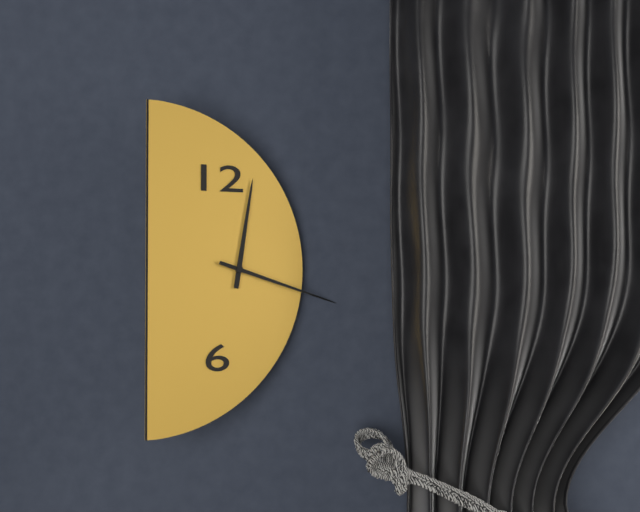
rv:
12 h 18 min
